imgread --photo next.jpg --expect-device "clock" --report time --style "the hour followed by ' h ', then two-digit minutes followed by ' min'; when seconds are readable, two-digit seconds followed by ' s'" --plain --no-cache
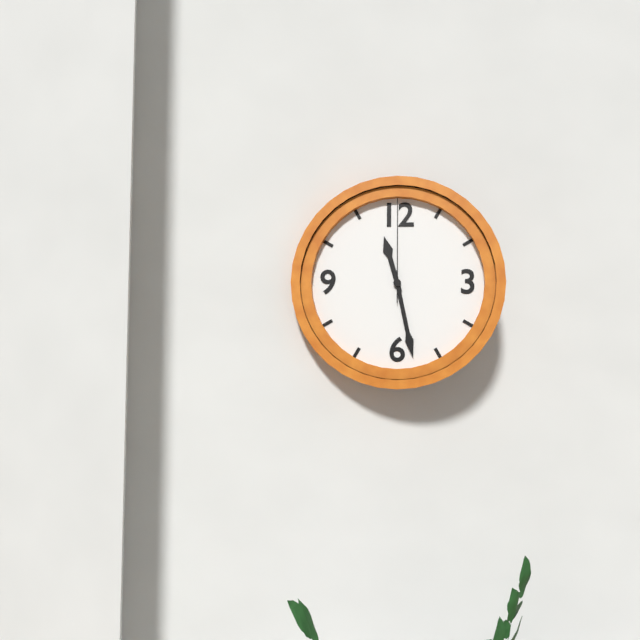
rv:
11 h 28 min 00 s
